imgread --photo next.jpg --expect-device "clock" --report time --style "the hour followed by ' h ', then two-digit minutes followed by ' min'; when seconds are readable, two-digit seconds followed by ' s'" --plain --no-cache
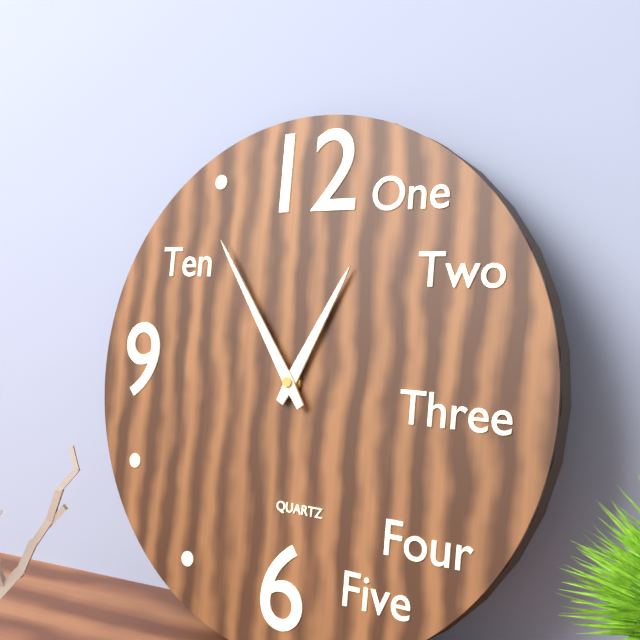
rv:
12 h 54 min
